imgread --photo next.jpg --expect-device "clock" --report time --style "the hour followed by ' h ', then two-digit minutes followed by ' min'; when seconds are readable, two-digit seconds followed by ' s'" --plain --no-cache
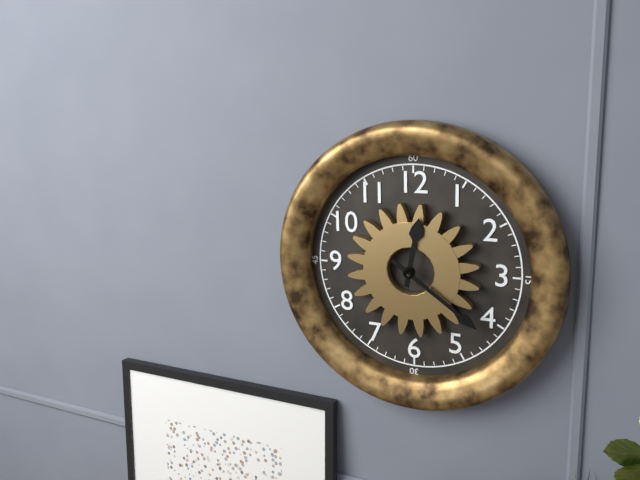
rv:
12 h 21 min
